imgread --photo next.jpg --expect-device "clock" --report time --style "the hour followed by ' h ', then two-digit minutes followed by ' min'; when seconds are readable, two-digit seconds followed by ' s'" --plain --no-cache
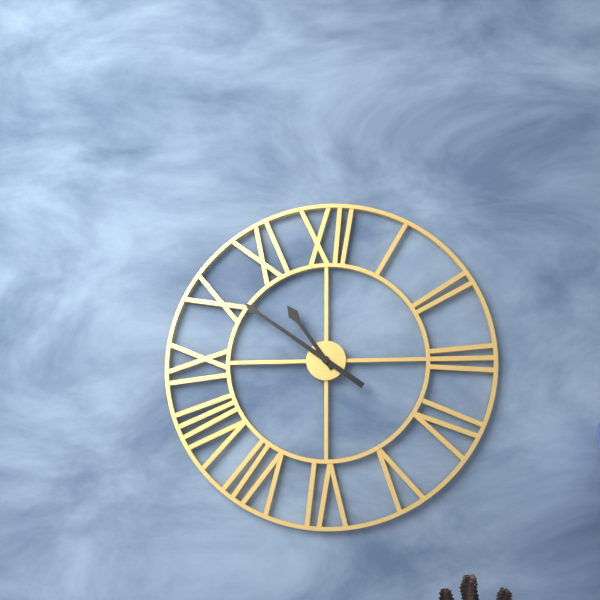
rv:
10 h 51 min
